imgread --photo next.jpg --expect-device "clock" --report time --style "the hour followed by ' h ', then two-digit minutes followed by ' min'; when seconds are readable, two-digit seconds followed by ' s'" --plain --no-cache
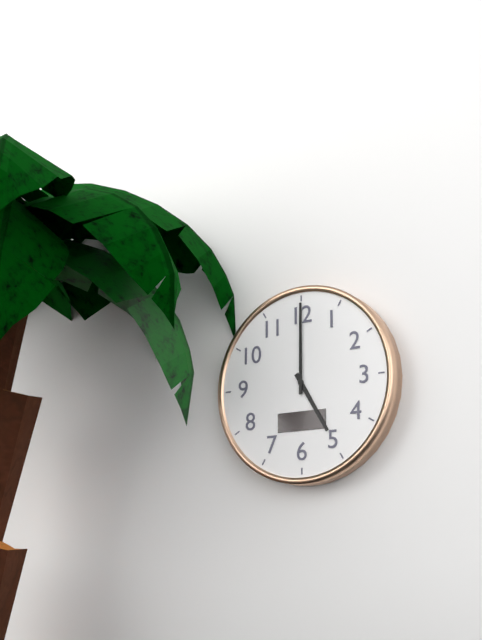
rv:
5 h 00 min
